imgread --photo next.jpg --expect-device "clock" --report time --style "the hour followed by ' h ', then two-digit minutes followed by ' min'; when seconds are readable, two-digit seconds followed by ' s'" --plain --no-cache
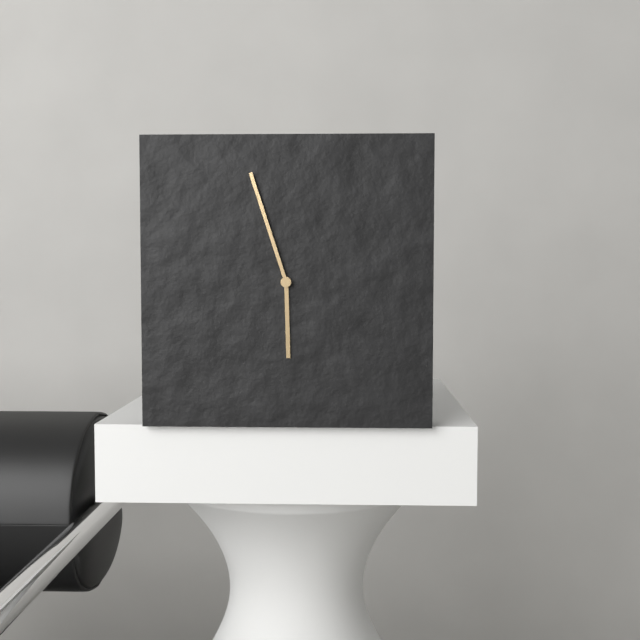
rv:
5 h 57 min
